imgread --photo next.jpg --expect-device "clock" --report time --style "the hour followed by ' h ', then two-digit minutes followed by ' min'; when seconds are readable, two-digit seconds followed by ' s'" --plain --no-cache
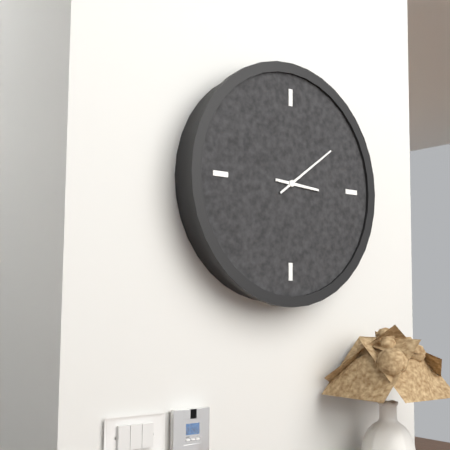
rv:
3 h 09 min
